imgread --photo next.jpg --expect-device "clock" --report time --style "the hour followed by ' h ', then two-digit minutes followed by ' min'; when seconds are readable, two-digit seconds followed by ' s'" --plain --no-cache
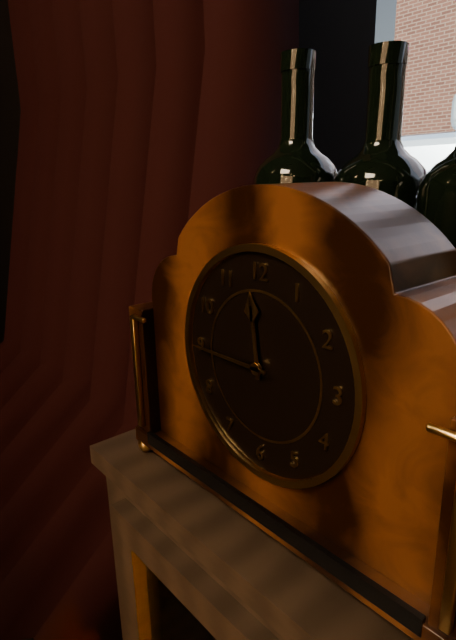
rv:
11 h 45 min
